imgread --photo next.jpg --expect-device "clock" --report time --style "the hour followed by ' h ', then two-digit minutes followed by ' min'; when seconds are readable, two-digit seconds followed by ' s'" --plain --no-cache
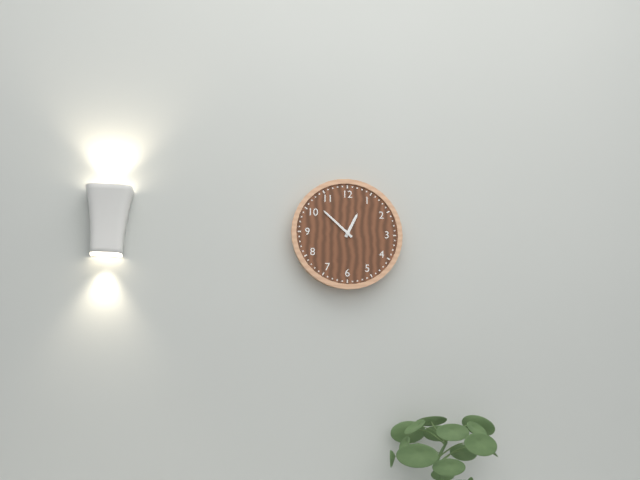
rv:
12 h 52 min
